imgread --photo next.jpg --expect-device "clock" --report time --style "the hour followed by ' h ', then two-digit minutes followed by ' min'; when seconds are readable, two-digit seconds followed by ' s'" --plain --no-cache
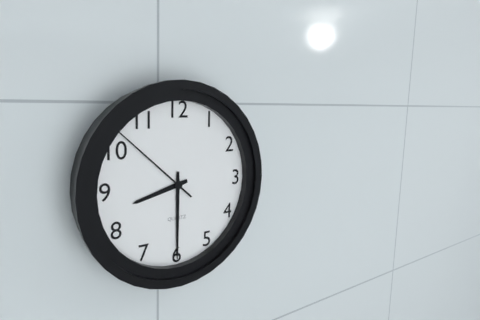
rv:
8 h 30 min 52 s
